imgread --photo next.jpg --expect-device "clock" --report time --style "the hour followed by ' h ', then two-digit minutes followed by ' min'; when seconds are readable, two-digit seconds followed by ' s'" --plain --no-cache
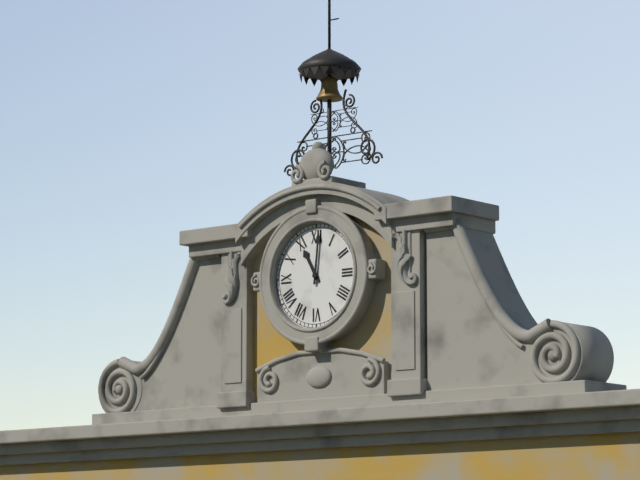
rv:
11 h 01 min
